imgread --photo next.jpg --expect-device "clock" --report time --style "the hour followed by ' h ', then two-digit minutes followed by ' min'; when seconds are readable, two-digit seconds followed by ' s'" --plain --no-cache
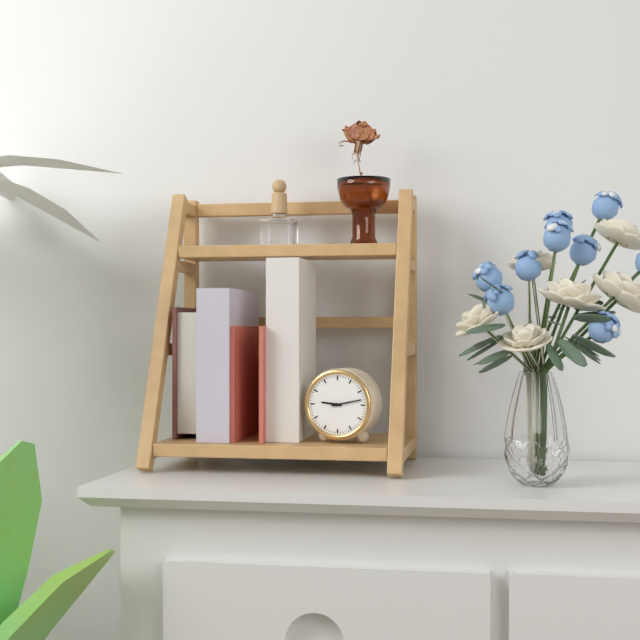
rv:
9 h 13 min
